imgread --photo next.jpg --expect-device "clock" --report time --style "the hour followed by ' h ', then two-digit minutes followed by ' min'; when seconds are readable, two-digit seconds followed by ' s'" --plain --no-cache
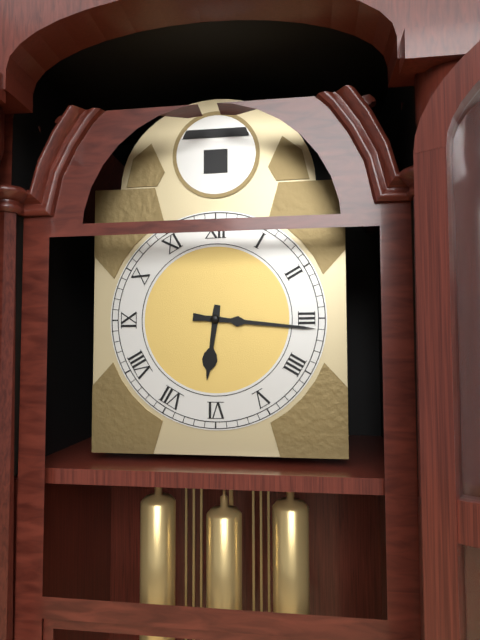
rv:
6 h 16 min
